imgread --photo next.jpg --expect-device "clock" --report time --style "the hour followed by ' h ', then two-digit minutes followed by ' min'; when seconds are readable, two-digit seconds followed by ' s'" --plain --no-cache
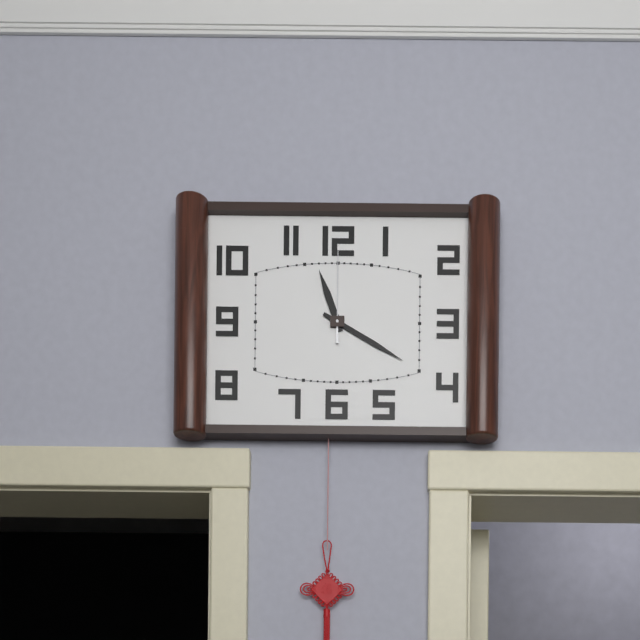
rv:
11 h 20 min 00 s
